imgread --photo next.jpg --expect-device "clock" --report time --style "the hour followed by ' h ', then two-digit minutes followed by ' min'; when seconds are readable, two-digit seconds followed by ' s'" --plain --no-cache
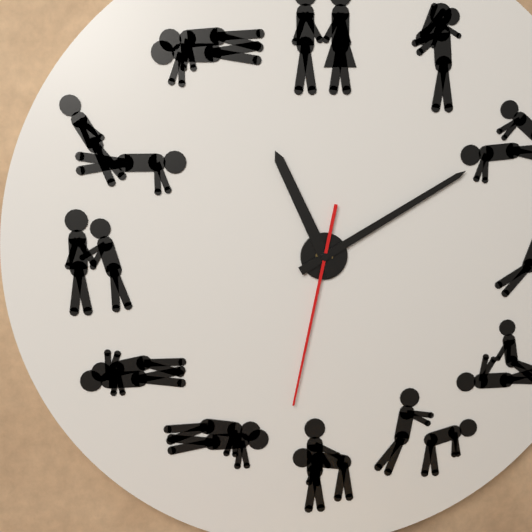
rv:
11 h 10 min 32 s
